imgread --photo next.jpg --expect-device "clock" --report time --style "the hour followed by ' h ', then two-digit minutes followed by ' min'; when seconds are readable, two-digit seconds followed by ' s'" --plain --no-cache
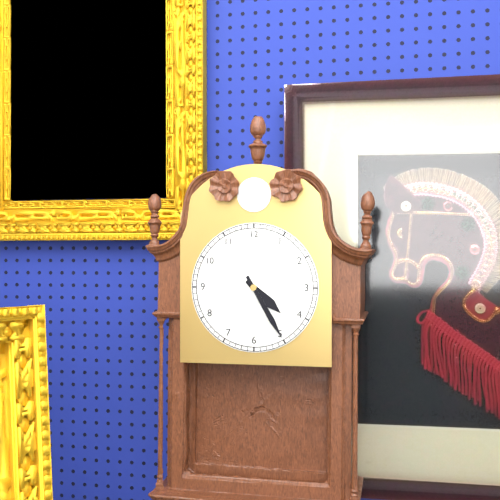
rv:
4 h 25 min
